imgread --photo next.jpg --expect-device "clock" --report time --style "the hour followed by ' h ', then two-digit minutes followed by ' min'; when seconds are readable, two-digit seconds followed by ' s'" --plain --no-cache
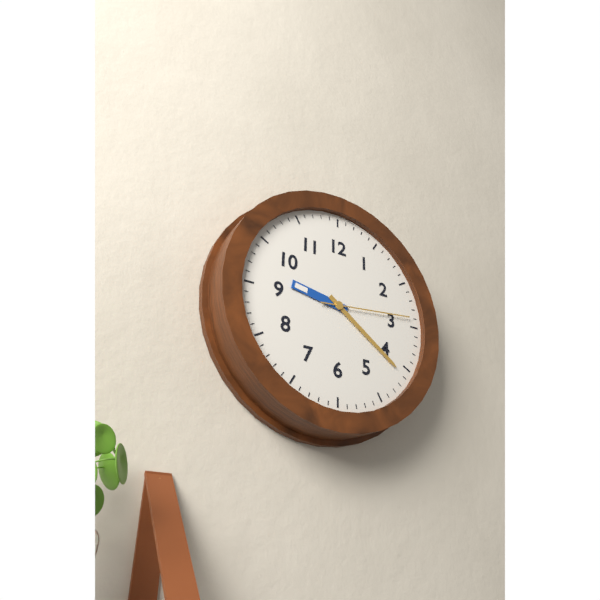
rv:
9 h 21 min 14 s
